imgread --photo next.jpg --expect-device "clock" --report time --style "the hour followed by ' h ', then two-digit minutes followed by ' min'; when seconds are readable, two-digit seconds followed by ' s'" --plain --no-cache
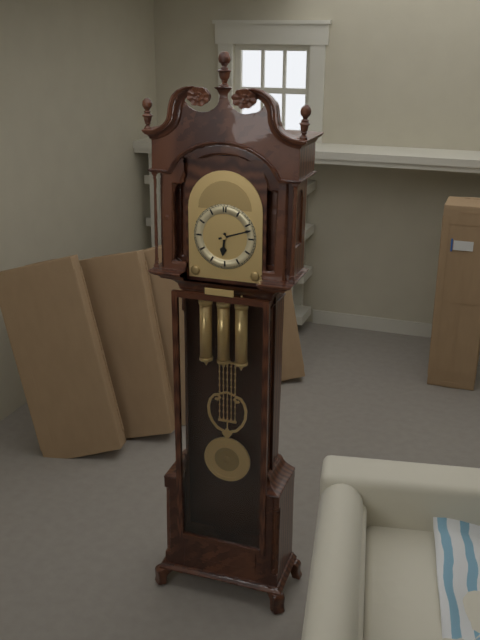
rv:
6 h 12 min
